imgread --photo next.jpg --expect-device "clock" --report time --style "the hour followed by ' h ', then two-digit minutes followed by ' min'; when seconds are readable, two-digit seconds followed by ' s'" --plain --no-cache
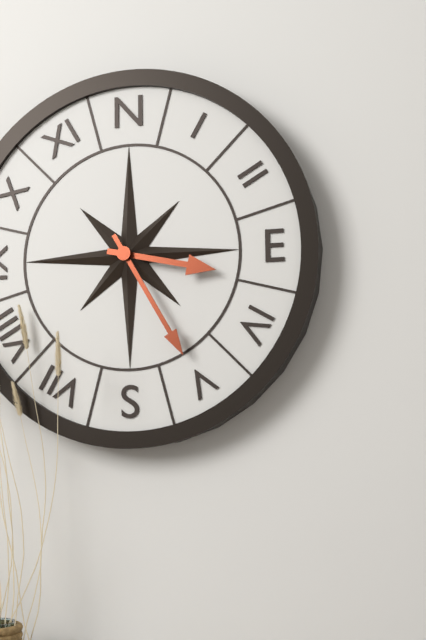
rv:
3 h 25 min
